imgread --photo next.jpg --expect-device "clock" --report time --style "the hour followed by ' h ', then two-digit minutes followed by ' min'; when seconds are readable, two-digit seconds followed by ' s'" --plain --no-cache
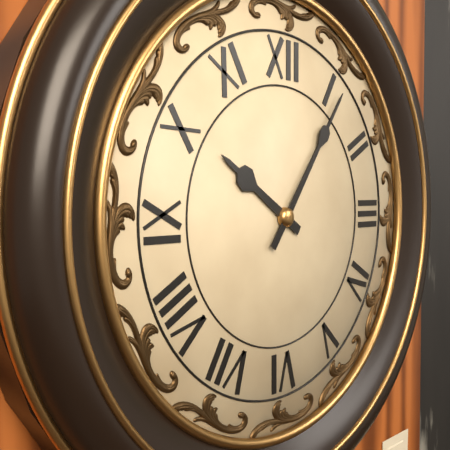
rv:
10 h 06 min
